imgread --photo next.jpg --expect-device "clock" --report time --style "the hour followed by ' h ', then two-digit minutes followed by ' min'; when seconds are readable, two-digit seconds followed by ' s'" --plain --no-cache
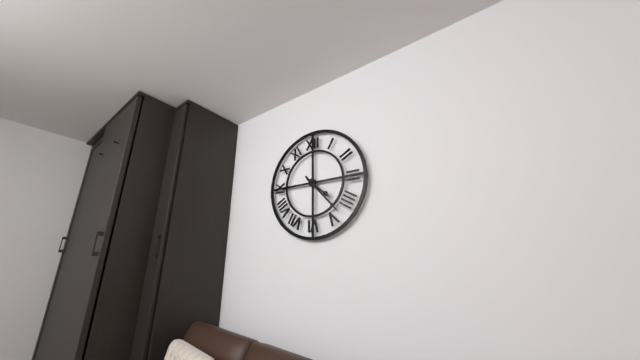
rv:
4 h 23 min
